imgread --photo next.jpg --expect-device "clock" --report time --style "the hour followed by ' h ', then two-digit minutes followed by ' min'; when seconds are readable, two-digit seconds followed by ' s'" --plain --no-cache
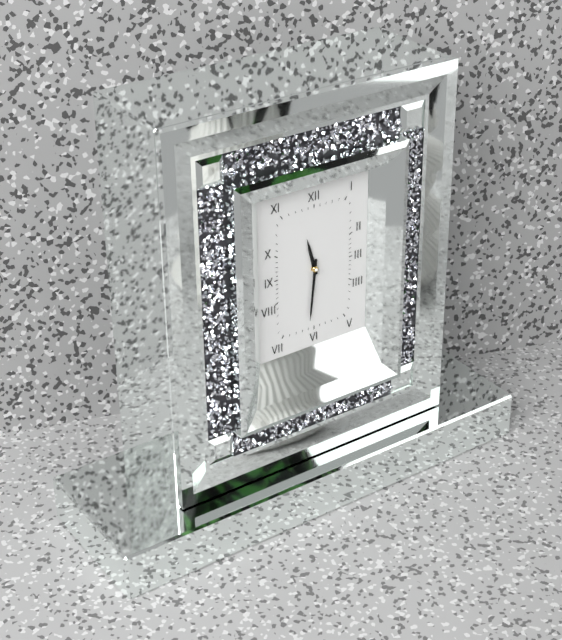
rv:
11 h 31 min
